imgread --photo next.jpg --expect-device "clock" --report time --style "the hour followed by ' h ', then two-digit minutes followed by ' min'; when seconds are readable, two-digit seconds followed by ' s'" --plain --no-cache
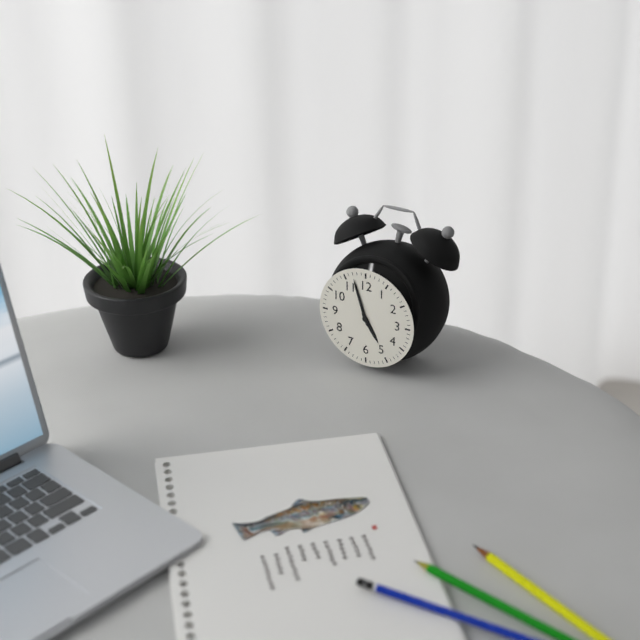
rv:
4 h 57 min
